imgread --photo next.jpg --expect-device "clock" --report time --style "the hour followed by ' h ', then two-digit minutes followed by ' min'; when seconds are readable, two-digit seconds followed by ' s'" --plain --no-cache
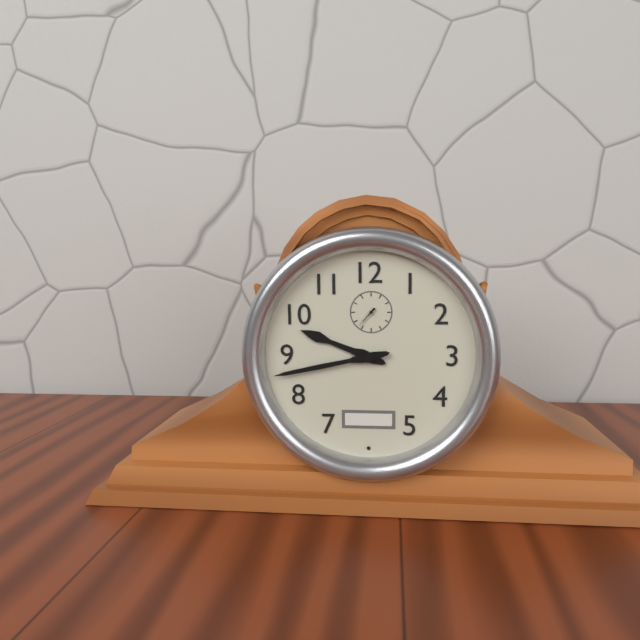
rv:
9 h 43 min
